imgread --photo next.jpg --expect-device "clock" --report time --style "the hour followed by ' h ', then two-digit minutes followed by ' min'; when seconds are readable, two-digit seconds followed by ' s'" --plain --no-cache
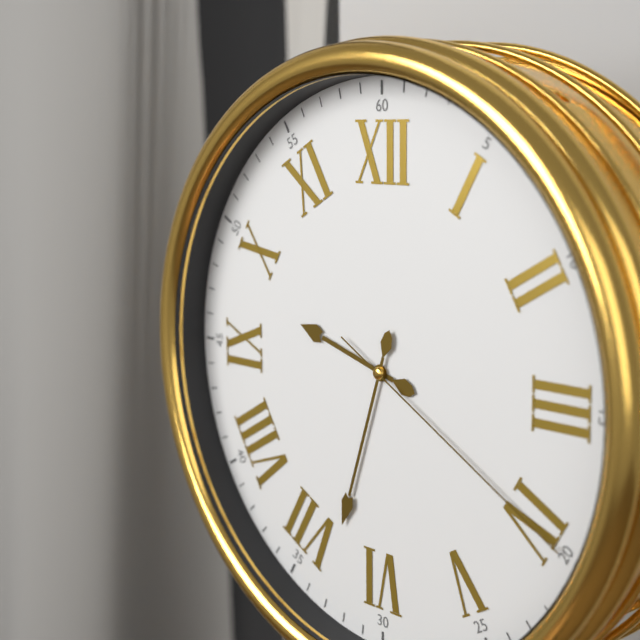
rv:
9 h 33 min 20 s
